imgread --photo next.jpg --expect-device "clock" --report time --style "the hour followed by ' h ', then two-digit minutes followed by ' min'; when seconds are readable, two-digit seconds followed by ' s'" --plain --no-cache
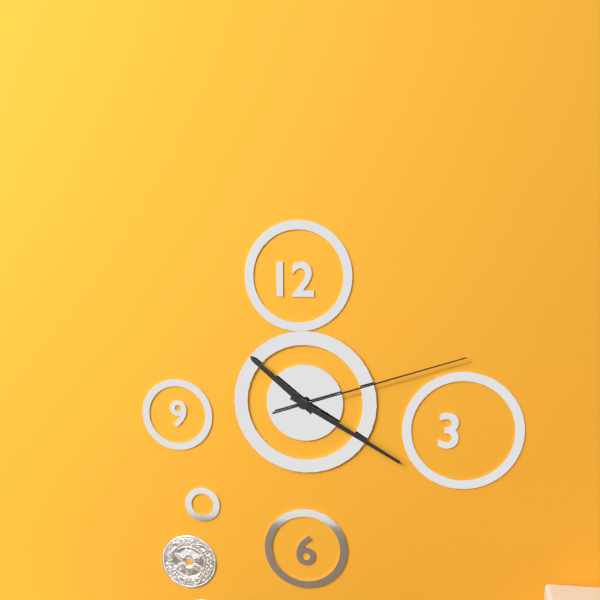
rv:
10 h 20 min 12 s
